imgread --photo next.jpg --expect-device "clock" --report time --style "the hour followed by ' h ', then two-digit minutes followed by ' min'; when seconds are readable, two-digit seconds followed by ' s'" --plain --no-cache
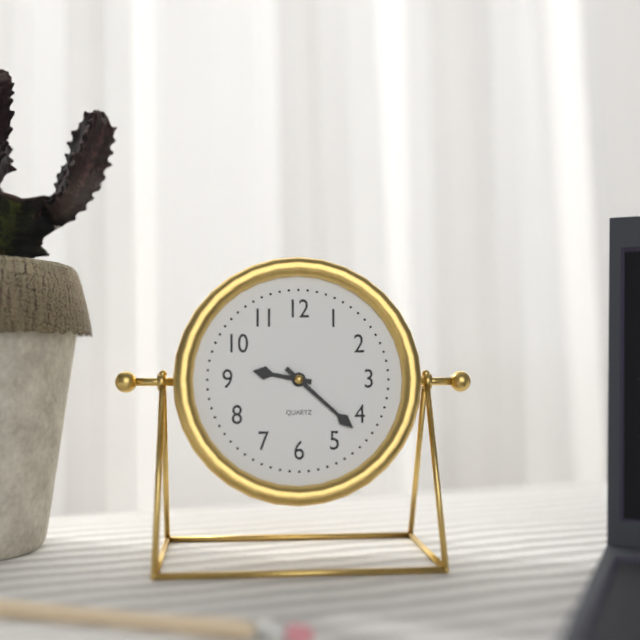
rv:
9 h 22 min
